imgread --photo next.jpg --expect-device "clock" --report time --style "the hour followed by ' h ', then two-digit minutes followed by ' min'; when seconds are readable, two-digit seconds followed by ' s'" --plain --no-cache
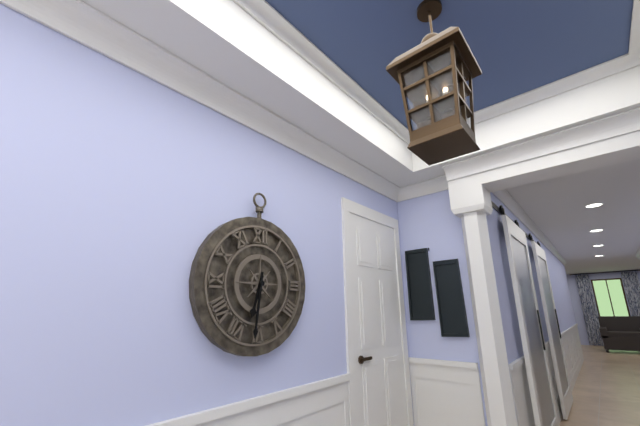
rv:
6 h 31 min
